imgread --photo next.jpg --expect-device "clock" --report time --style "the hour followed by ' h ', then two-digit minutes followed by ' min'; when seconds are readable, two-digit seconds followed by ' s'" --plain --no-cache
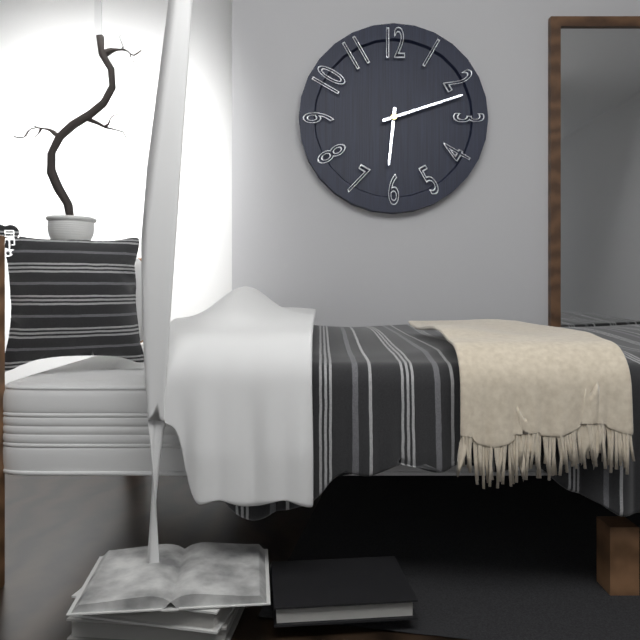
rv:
6 h 12 min
